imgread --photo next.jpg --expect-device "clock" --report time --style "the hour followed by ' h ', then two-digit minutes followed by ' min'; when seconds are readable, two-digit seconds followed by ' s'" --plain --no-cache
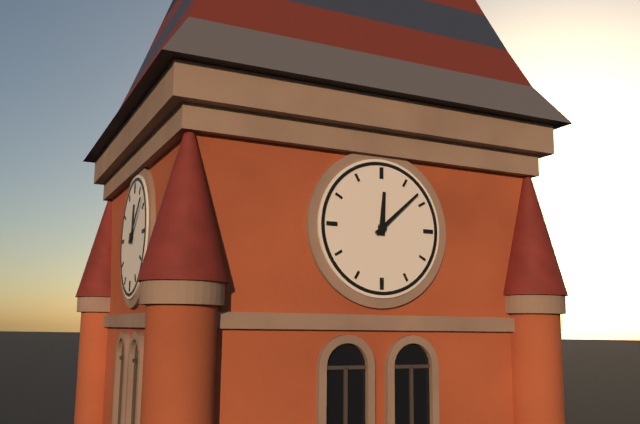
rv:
12 h 08 min
